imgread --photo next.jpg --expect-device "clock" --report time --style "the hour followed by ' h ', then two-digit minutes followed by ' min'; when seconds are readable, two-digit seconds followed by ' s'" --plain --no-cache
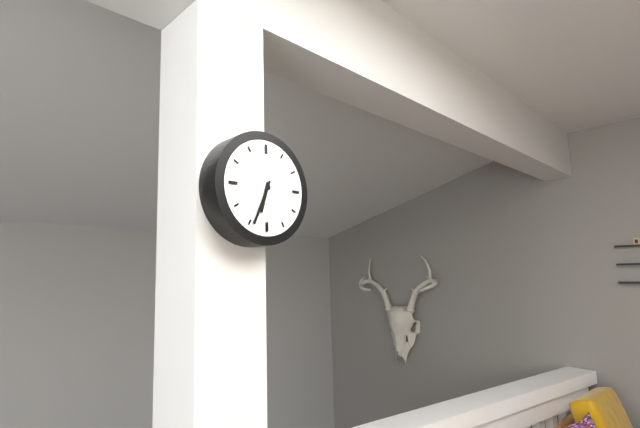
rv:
6 h 34 min
